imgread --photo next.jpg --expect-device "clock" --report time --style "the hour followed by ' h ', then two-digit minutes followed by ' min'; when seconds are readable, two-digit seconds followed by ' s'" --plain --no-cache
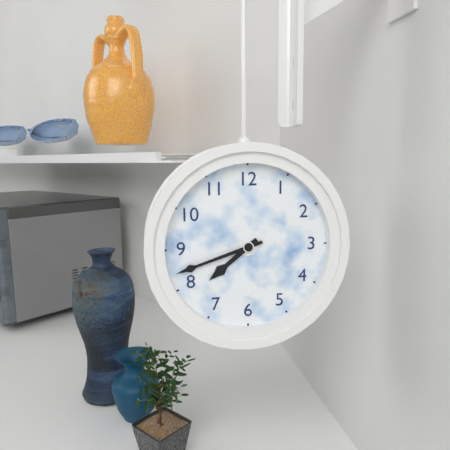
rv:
7 h 42 min
